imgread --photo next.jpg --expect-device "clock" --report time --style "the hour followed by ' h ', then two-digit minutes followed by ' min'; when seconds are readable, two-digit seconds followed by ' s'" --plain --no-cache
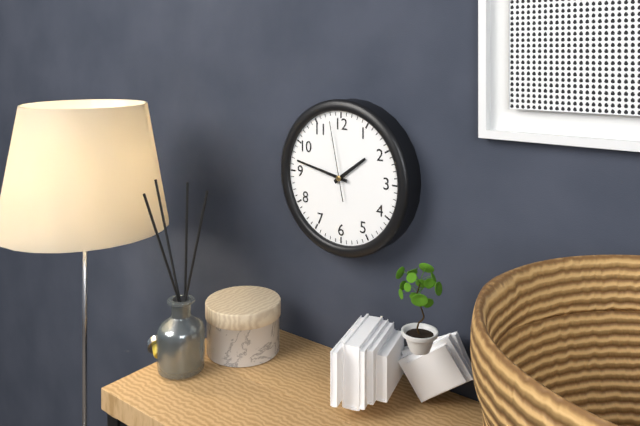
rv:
1 h 47 min 58 s
